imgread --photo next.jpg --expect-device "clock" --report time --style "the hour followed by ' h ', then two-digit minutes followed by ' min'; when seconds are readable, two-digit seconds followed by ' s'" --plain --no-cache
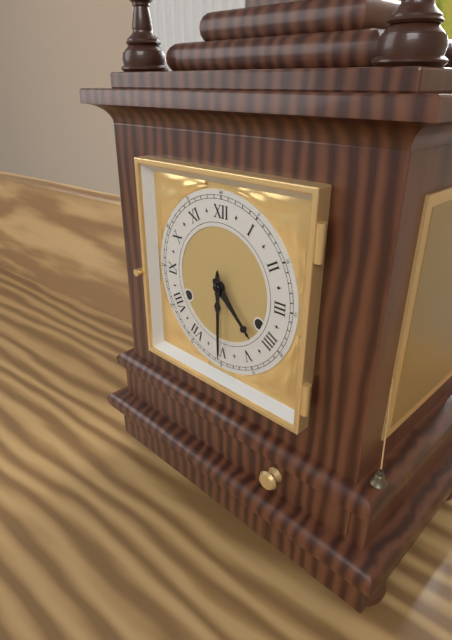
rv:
4 h 30 min
